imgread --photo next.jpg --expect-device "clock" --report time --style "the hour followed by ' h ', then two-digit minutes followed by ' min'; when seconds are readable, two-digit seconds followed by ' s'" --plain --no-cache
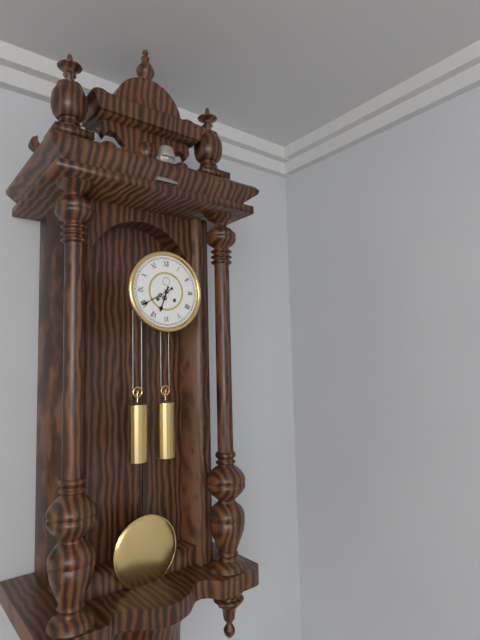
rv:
6 h 40 min
